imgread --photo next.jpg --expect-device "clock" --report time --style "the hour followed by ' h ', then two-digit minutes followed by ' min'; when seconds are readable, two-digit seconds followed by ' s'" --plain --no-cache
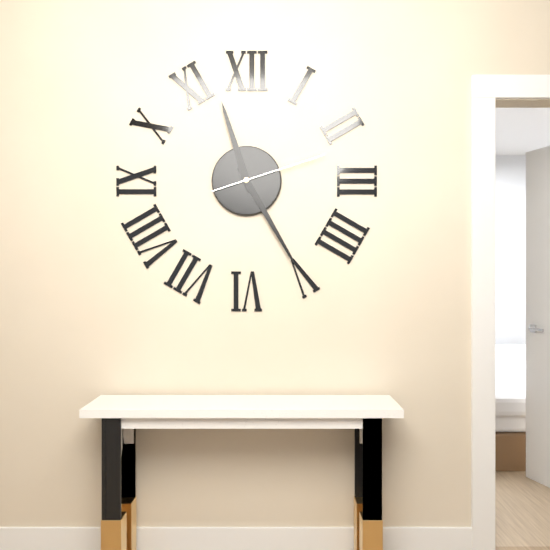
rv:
11 h 25 min 12 s
